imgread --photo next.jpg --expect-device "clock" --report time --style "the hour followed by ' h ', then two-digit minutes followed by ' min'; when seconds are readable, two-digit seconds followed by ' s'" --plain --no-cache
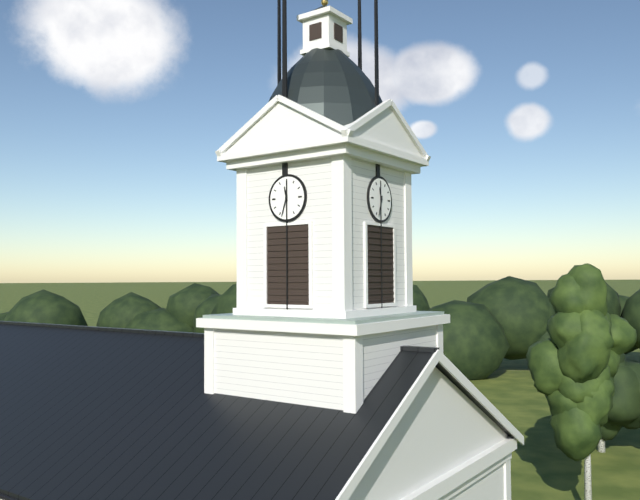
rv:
11 h 33 min
